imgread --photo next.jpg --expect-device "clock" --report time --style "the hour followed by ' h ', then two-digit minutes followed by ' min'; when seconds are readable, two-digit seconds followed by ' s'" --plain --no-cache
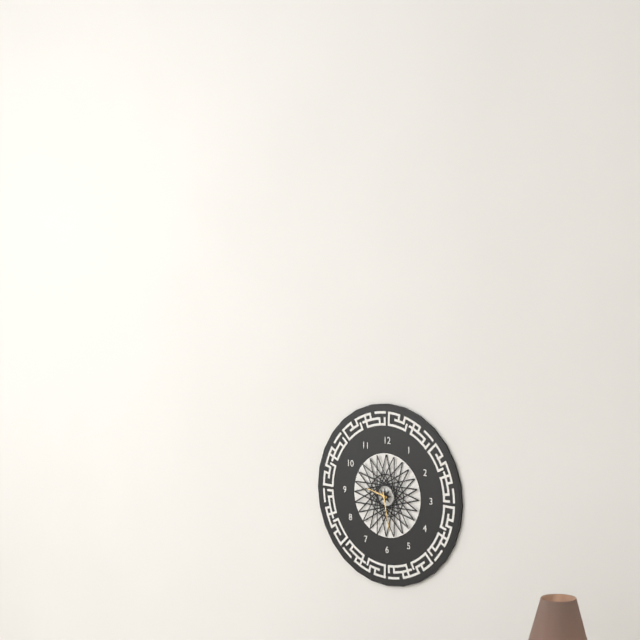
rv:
9 h 28 min
